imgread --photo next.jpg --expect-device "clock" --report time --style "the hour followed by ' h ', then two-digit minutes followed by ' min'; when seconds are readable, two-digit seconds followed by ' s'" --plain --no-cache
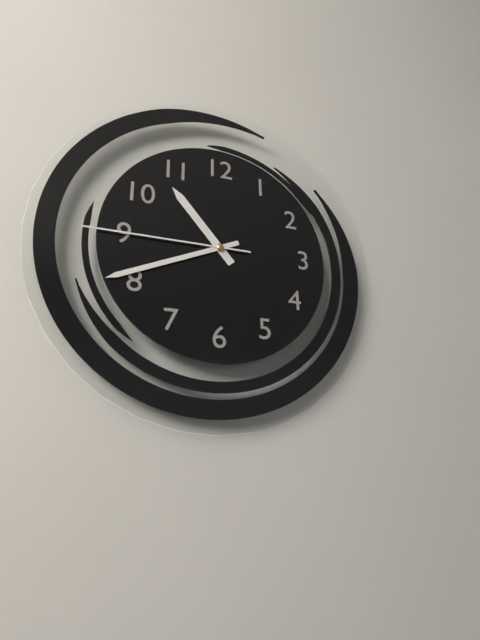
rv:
10 h 41 min 45 s
